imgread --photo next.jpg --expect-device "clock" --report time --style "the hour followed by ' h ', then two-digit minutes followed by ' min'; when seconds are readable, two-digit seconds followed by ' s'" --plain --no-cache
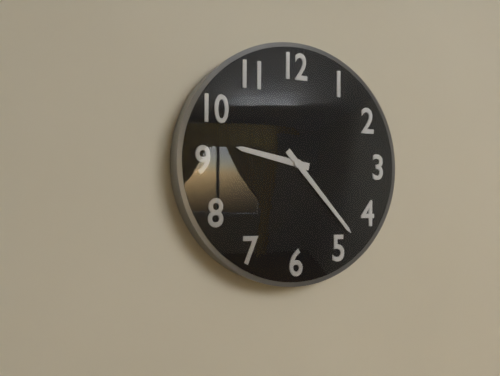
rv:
9 h 23 min
